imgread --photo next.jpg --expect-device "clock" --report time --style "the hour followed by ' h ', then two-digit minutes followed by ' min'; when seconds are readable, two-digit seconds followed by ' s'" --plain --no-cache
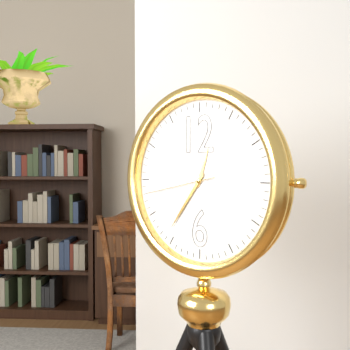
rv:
12 h 36 min 43 s
